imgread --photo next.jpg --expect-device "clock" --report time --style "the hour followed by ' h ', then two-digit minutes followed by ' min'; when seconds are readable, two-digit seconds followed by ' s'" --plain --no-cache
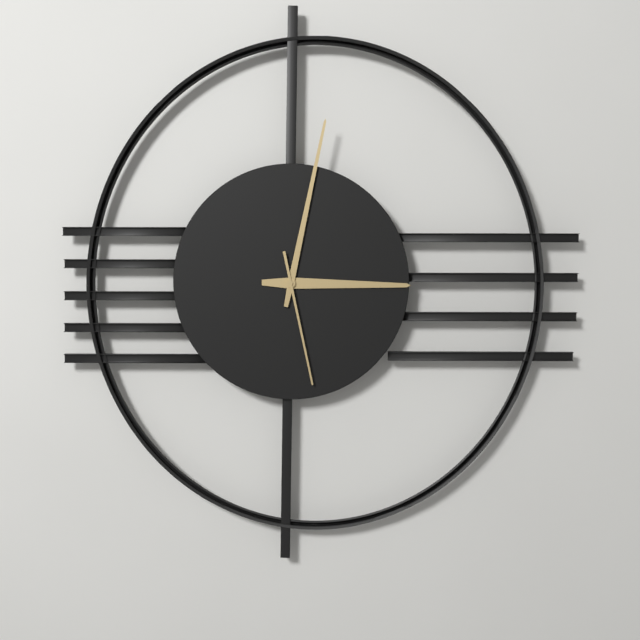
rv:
3 h 02 min 28 s
